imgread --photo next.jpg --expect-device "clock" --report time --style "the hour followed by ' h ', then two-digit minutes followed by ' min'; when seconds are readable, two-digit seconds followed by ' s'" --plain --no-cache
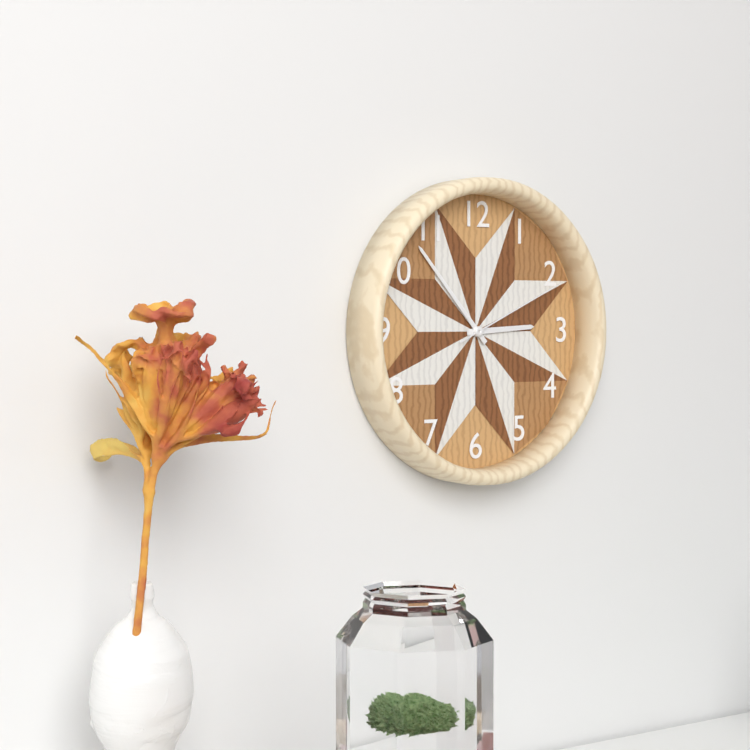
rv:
2 h 53 min 11 s
